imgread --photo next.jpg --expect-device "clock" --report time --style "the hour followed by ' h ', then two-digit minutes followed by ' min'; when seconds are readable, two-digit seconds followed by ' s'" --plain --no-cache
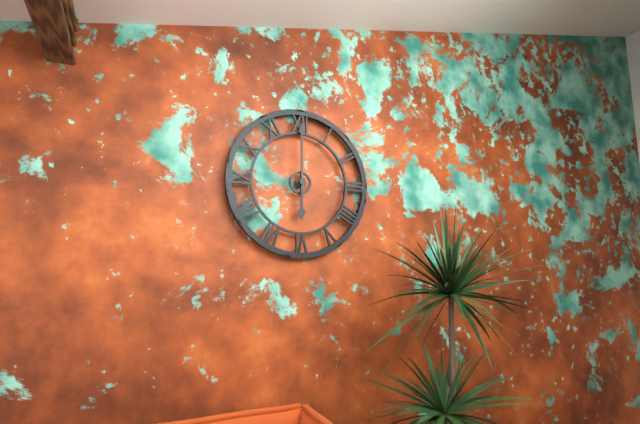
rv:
6 h 00 min
